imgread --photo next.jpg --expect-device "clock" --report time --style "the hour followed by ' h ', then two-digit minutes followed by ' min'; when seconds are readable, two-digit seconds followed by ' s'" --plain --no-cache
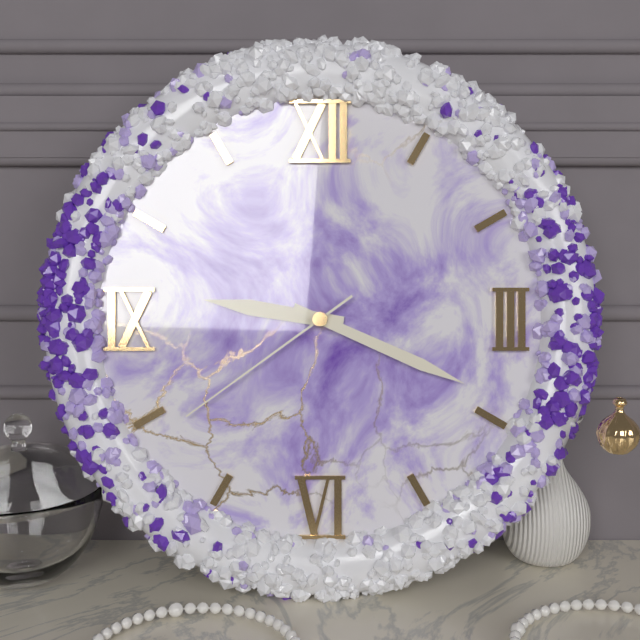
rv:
9 h 19 min 39 s
